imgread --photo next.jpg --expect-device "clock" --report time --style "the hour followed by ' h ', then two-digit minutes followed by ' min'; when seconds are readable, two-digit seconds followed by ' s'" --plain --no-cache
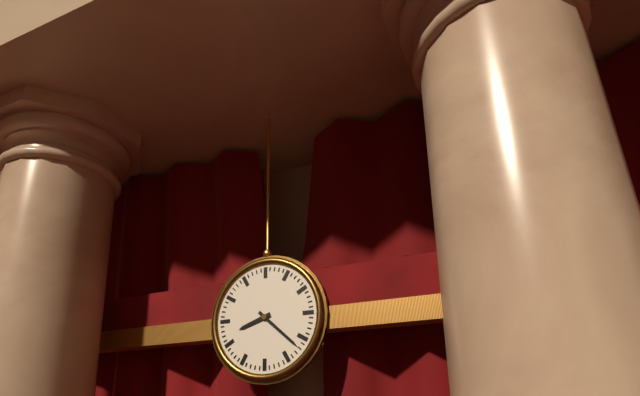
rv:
8 h 22 min
